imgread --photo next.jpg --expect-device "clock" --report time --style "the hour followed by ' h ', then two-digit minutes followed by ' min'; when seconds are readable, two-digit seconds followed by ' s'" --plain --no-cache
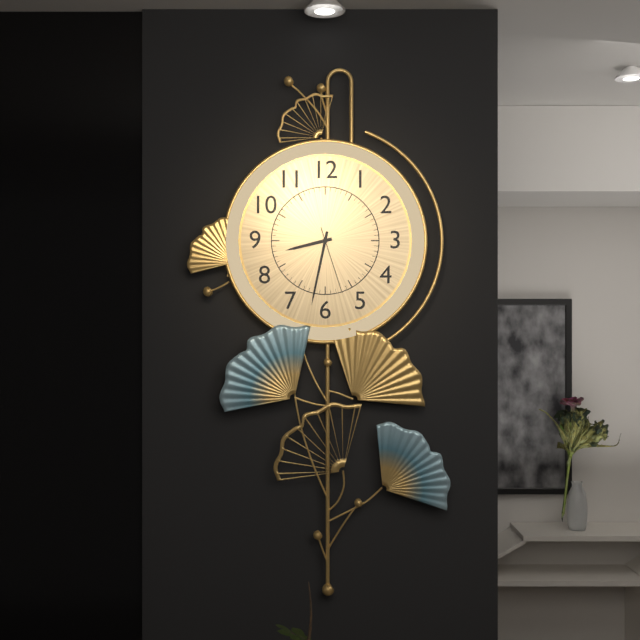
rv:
8 h 32 min 27 s
